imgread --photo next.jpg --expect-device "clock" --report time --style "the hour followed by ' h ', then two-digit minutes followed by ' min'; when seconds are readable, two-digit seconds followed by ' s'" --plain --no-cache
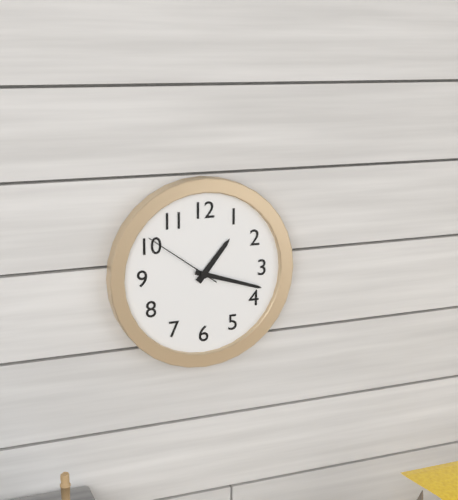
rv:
1 h 18 min 51 s
